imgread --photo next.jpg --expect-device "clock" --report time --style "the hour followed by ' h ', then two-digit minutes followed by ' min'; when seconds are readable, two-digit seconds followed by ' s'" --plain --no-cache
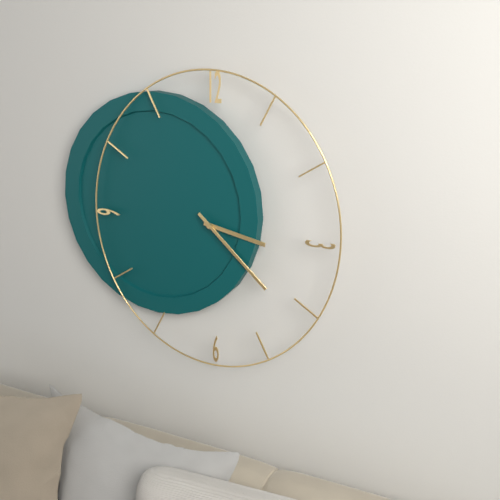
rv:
3 h 22 min
